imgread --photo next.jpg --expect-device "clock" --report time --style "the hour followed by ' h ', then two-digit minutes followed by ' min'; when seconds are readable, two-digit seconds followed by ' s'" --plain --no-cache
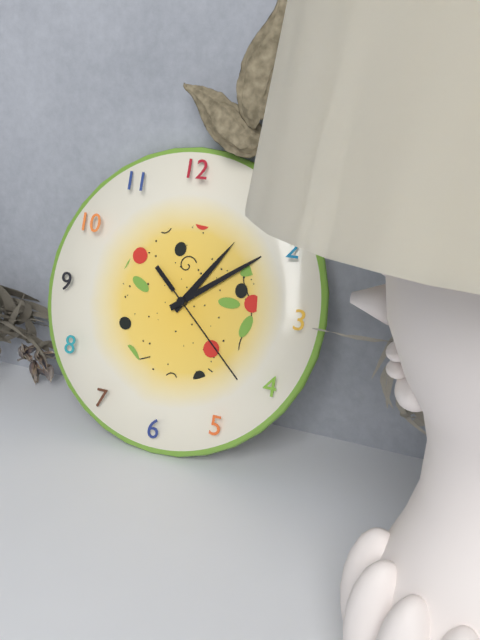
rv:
1 h 09 min 22 s
